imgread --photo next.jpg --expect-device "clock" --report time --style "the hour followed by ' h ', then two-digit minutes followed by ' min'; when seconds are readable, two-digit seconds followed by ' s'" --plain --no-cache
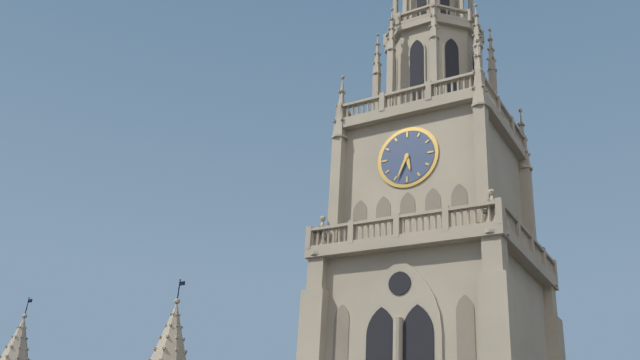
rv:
5 h 34 min
